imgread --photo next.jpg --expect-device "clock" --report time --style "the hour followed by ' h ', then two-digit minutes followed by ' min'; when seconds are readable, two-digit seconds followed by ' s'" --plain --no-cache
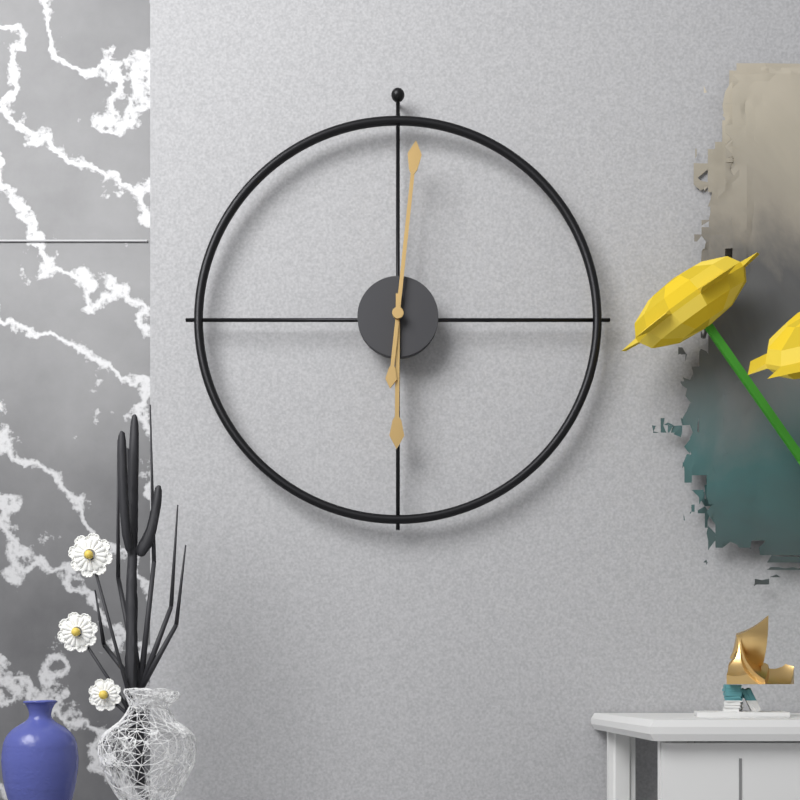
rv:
6 h 01 min
